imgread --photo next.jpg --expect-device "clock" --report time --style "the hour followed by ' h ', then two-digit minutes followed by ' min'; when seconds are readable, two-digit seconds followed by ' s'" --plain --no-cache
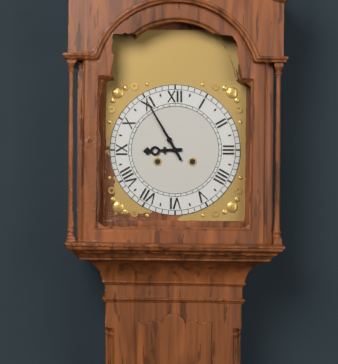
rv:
8 h 55 min
